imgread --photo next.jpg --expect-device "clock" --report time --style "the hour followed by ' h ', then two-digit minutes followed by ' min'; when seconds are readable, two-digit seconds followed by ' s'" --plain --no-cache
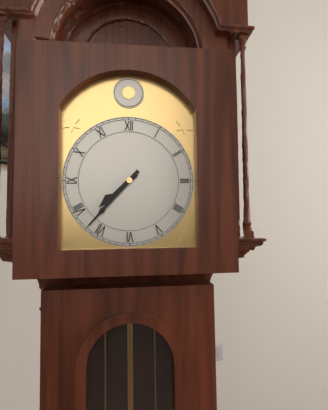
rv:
7 h 37 min
